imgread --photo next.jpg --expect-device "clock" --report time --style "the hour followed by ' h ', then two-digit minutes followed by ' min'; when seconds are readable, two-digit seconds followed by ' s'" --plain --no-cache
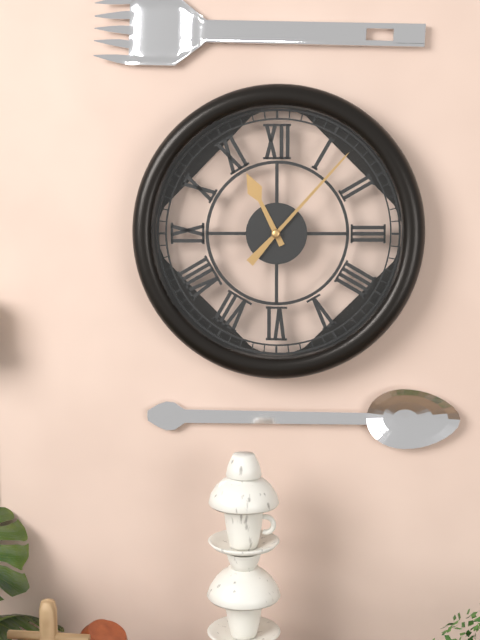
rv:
11 h 07 min
